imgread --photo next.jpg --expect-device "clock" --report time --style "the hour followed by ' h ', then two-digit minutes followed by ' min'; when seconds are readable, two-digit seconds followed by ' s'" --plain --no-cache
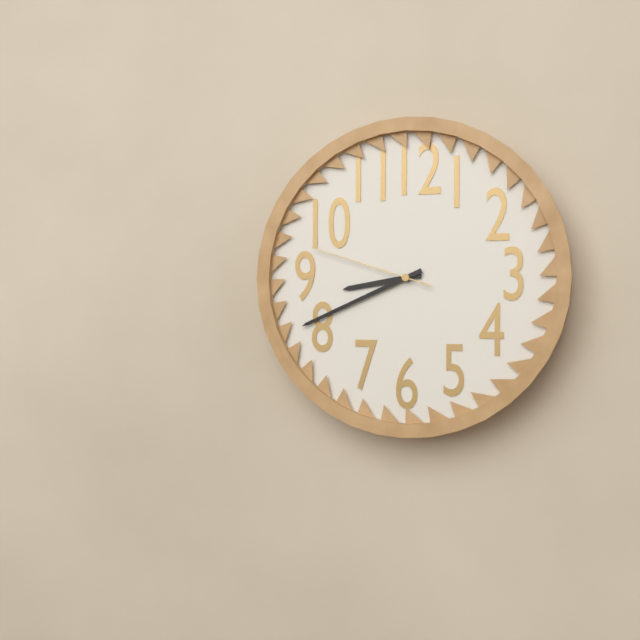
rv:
8 h 41 min 48 s
